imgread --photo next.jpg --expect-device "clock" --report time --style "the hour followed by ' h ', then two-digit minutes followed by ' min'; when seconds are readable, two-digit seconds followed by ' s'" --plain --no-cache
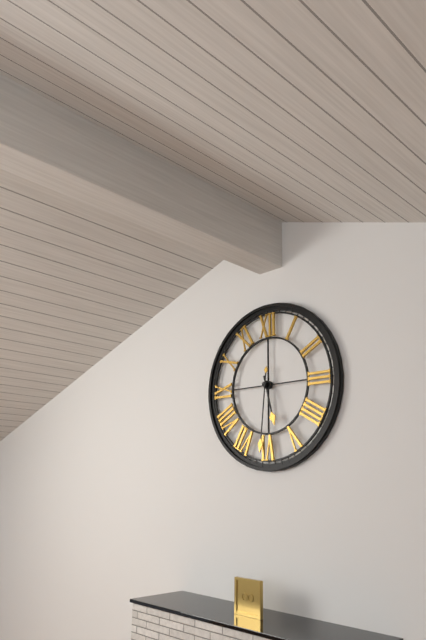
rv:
5 h 31 min
